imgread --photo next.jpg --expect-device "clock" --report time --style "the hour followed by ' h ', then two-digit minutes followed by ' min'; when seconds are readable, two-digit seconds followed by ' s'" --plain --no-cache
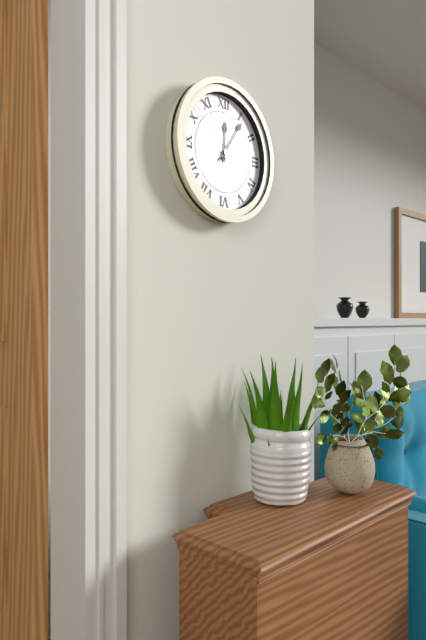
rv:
12 h 06 min 52 s
